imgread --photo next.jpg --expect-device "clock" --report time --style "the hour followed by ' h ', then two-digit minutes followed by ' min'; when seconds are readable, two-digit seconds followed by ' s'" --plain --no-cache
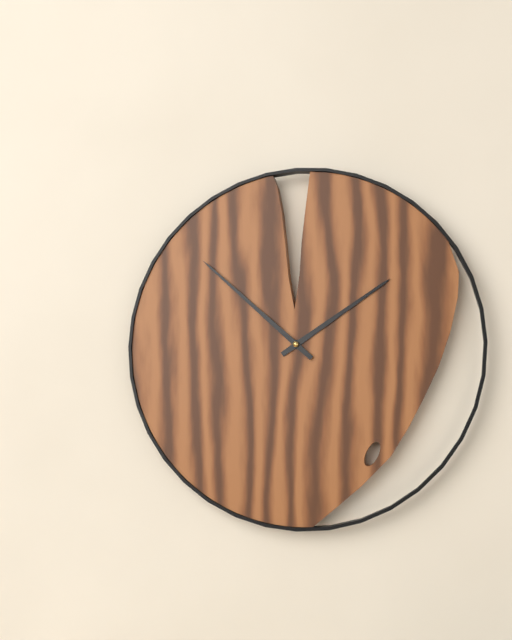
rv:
1 h 52 min
